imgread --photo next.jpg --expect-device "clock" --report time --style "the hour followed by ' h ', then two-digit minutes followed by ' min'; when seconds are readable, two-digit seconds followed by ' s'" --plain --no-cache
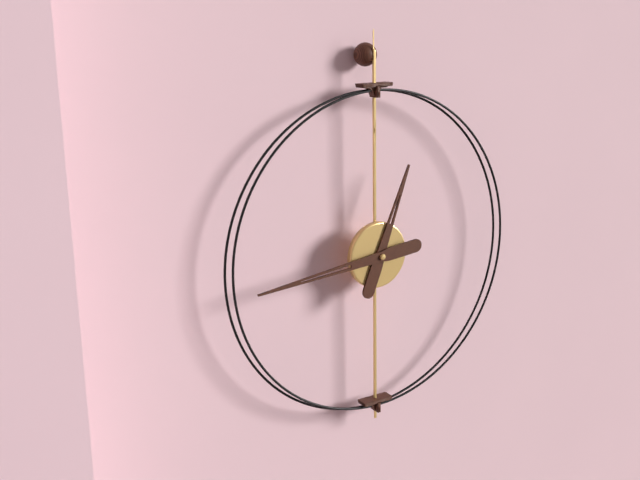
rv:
12 h 44 min
